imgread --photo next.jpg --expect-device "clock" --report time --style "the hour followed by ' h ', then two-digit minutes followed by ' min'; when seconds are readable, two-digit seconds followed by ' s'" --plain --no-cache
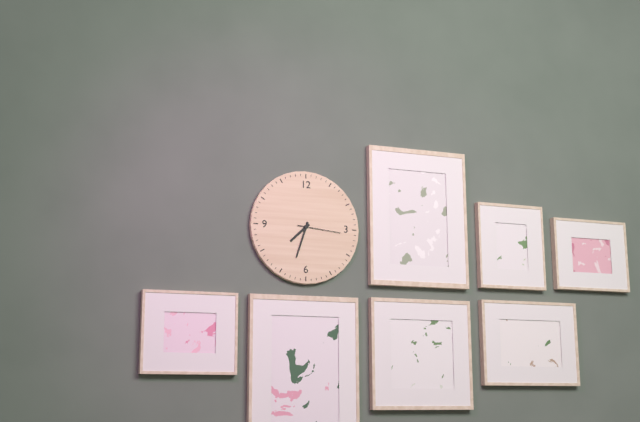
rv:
7 h 33 min
